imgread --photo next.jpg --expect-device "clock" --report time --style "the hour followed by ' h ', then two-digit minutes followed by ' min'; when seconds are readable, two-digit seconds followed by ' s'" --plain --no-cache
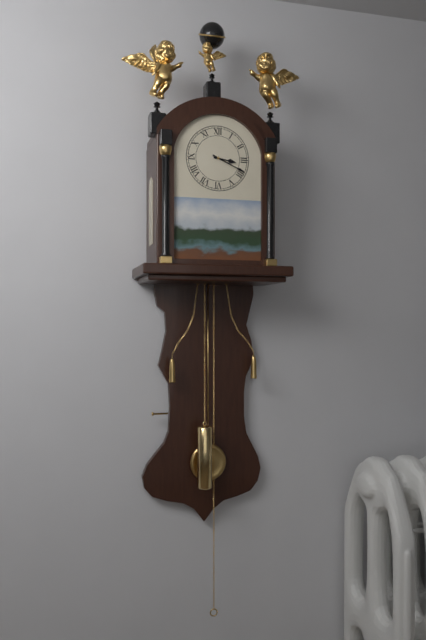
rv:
3 h 19 min
